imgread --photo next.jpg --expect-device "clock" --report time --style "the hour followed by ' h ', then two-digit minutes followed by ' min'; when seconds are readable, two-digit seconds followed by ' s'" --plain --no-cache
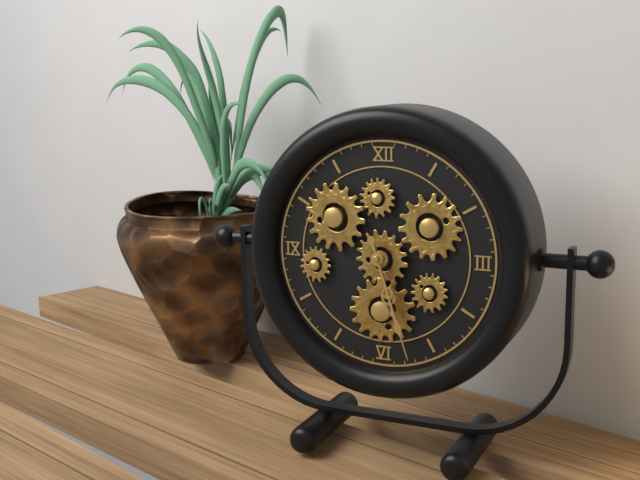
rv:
5 h 27 min
